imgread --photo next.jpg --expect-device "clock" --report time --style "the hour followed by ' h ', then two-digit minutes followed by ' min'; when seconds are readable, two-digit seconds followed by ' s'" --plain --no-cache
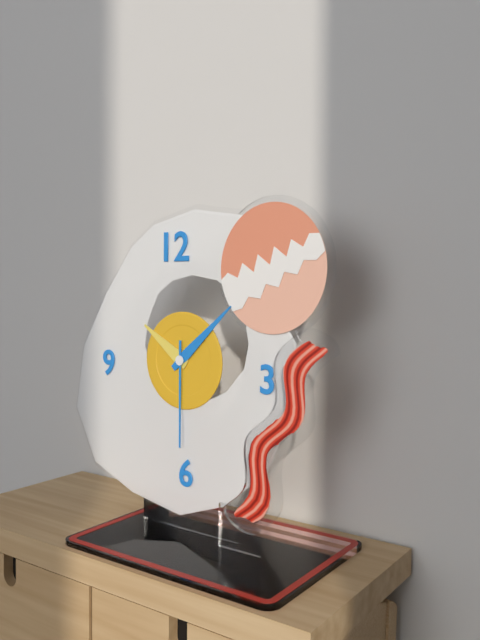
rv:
10 h 08 min 30 s
